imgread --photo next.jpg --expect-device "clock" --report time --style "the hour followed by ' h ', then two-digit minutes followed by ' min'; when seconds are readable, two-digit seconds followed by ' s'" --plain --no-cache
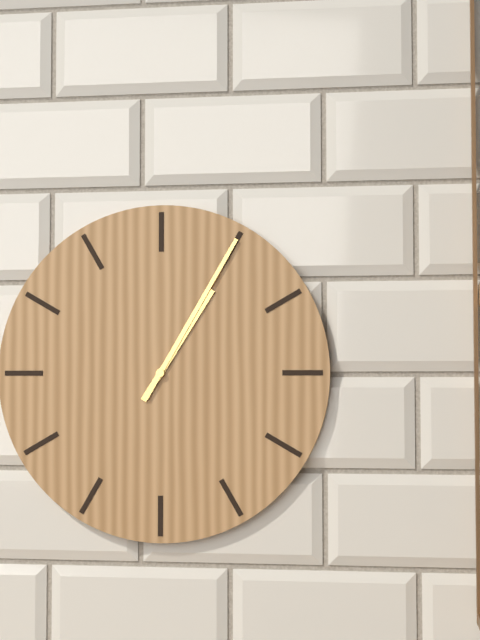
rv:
1 h 05 min
